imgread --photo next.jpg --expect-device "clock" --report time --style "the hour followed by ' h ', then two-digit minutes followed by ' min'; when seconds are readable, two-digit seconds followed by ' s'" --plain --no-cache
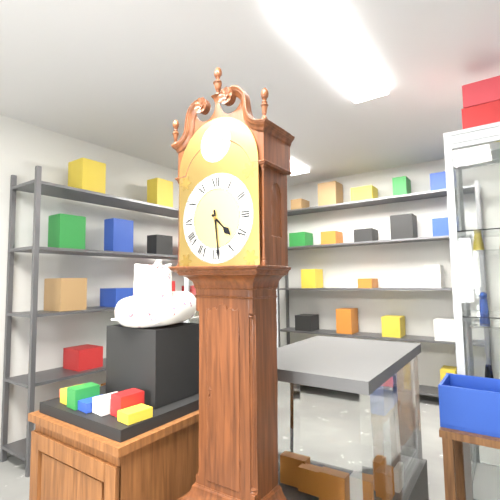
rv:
4 h 29 min
